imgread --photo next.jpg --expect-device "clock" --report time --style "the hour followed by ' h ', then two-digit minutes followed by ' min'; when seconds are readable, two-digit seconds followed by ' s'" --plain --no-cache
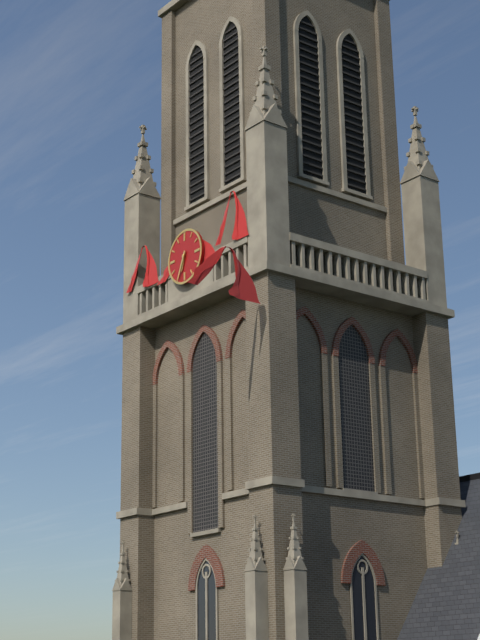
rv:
6 h 34 min
